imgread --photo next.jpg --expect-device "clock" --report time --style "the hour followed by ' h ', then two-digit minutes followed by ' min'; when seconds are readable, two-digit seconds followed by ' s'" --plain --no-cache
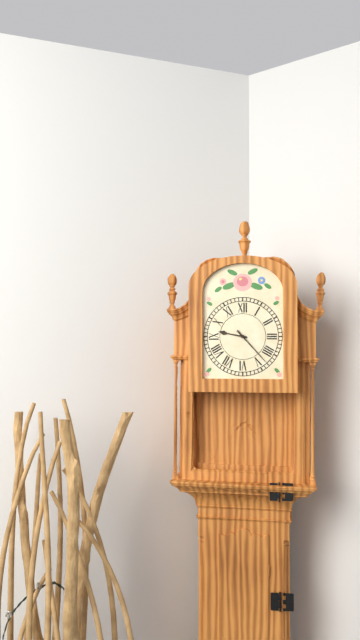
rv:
9 h 23 min
